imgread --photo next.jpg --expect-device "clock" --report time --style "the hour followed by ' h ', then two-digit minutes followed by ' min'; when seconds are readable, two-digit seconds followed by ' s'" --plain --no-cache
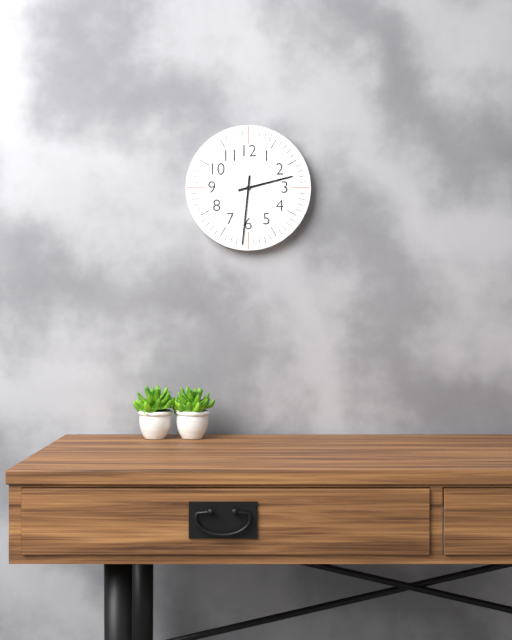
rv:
2 h 31 min
